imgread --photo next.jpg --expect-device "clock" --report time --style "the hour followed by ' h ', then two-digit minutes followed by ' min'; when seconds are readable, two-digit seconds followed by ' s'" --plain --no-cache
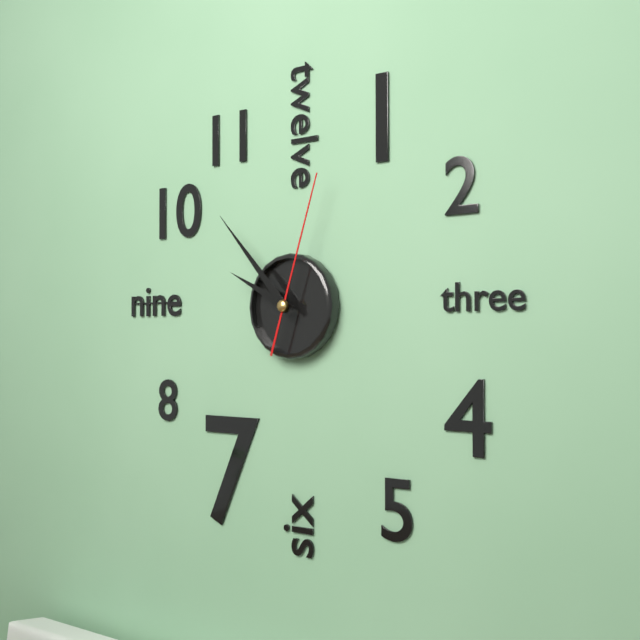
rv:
9 h 53 min 03 s
